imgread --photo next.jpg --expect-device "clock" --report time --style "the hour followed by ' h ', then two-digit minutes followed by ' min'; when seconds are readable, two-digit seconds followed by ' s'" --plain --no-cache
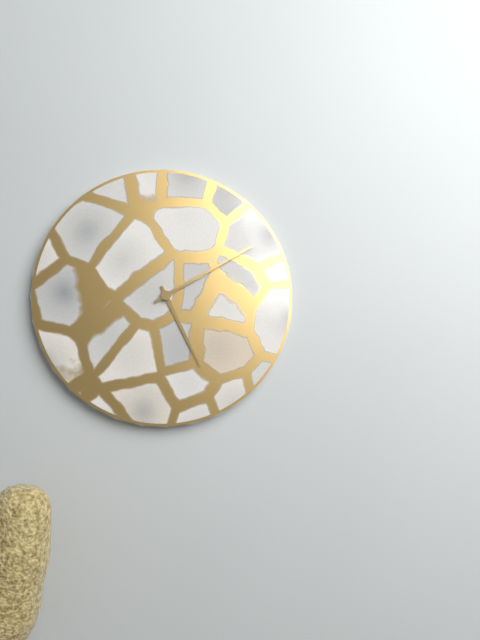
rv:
5 h 10 min
